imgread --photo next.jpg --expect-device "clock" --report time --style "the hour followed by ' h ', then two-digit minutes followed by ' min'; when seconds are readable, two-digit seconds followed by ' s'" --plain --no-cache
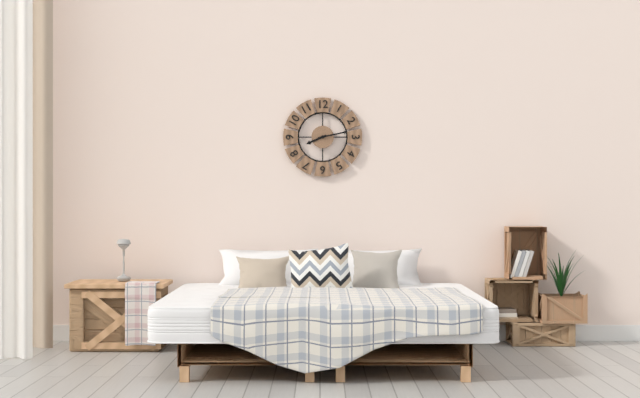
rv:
8 h 13 min
